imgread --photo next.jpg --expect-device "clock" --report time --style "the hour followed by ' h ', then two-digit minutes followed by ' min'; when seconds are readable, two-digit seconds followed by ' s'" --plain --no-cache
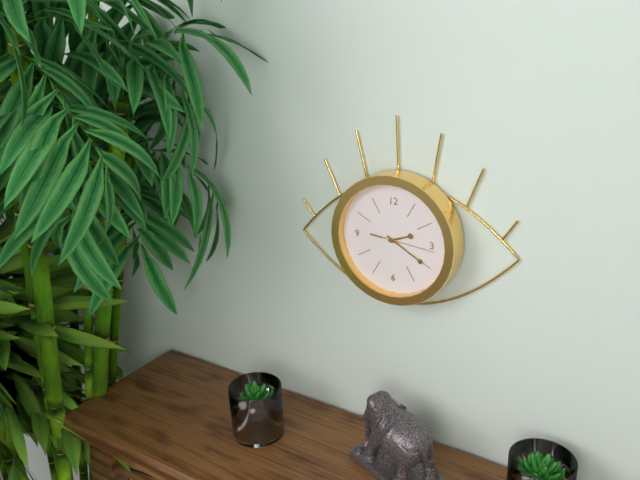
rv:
2 h 20 min 16 s
